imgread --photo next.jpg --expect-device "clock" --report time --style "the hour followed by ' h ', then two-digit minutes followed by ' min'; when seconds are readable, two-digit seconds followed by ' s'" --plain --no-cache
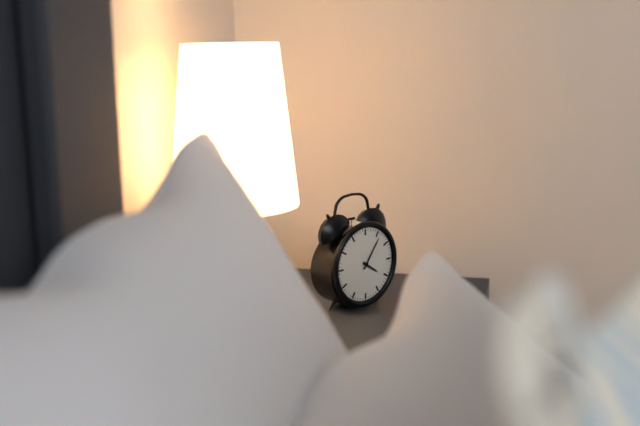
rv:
4 h 06 min
